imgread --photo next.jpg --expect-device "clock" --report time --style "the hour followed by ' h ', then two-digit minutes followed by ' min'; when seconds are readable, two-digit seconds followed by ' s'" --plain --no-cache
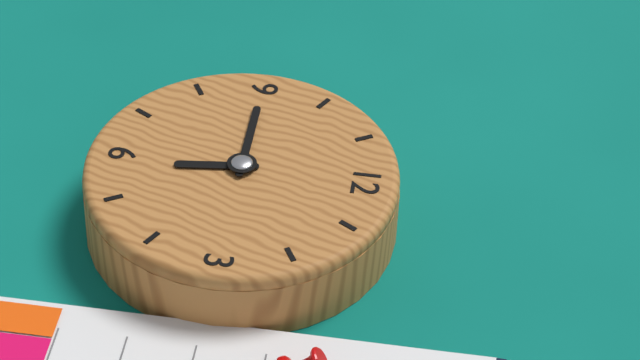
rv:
5 h 45 min
